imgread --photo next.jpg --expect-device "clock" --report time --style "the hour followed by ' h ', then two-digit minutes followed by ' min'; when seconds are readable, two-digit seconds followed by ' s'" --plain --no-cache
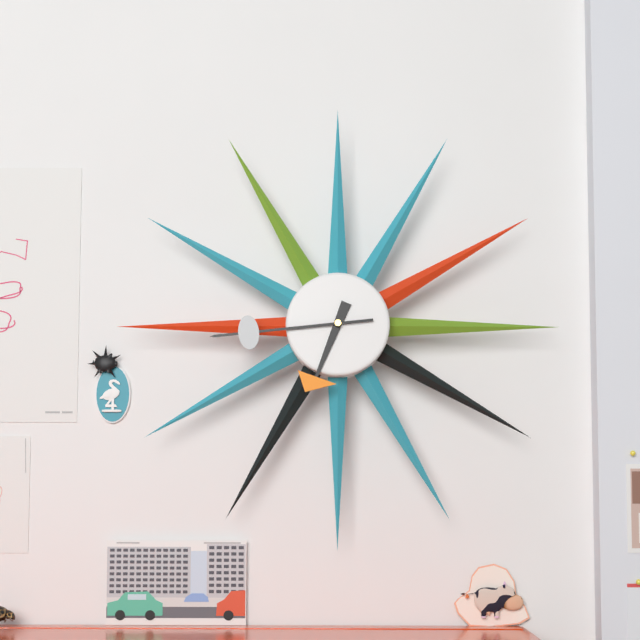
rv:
6 h 44 min
